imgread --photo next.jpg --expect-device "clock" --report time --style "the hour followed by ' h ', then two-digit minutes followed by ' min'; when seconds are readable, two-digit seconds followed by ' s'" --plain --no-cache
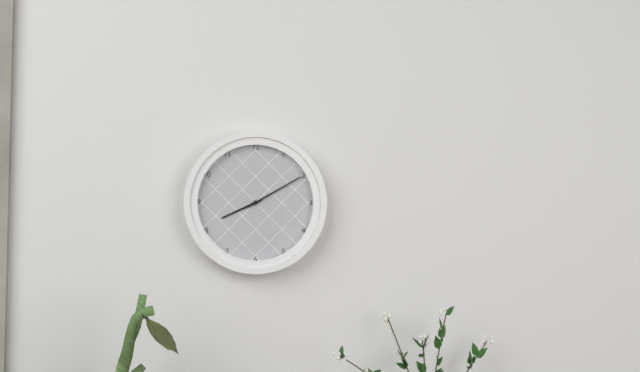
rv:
8 h 10 min
